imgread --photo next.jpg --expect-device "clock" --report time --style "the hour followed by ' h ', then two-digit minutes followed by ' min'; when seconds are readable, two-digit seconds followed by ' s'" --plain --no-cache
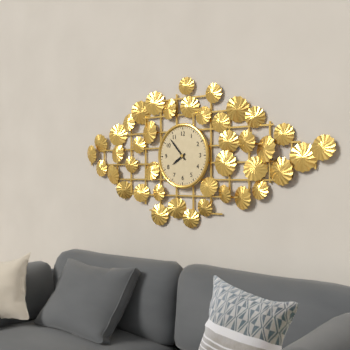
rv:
7 h 53 min
